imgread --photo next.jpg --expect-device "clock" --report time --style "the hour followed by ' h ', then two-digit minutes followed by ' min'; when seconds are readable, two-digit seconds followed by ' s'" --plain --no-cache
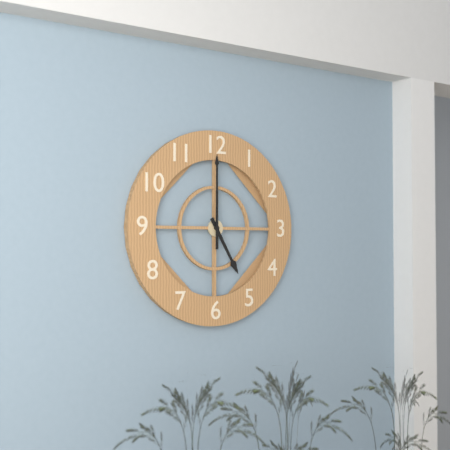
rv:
5 h 00 min
